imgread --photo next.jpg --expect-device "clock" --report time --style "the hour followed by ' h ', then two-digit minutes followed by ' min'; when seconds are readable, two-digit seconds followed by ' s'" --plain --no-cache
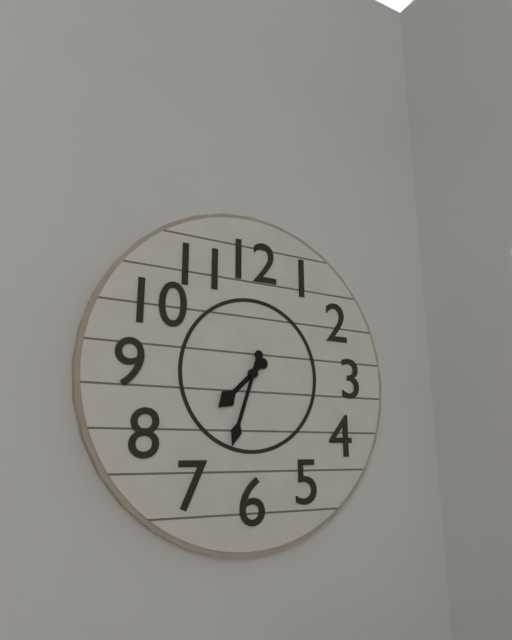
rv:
7 h 33 min
